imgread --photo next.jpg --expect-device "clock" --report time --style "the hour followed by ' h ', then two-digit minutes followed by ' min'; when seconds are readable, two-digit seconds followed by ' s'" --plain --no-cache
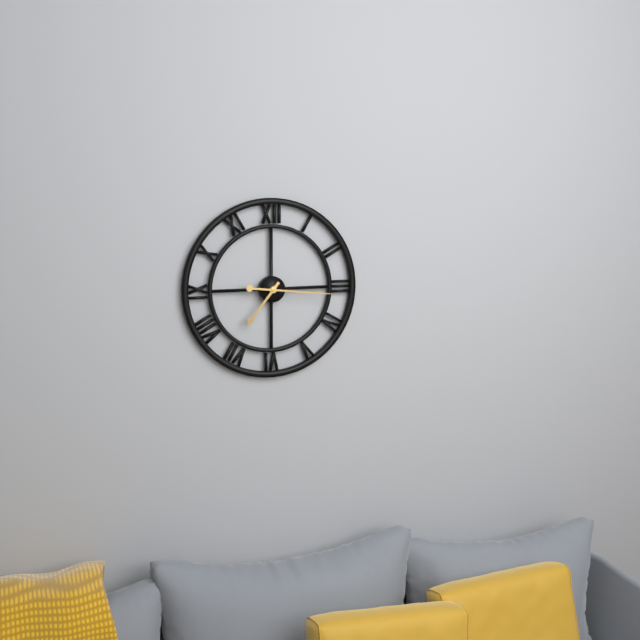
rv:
7 h 16 min
